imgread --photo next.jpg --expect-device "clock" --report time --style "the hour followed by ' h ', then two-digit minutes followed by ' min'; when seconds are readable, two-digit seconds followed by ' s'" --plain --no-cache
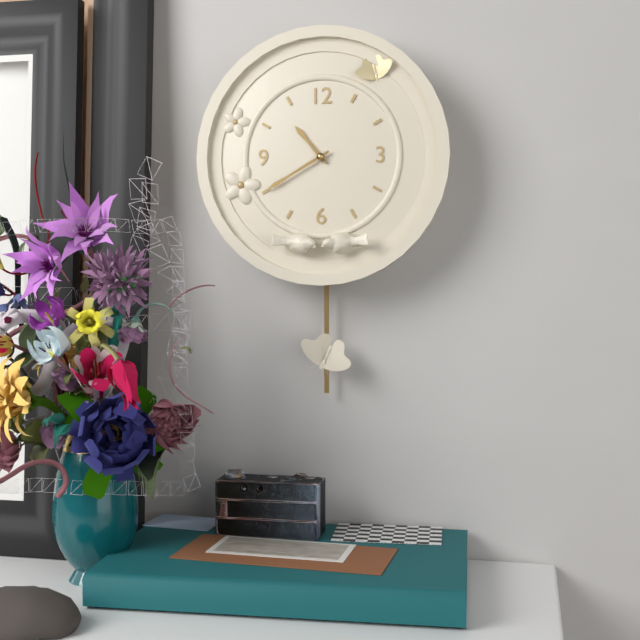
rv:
10 h 40 min
